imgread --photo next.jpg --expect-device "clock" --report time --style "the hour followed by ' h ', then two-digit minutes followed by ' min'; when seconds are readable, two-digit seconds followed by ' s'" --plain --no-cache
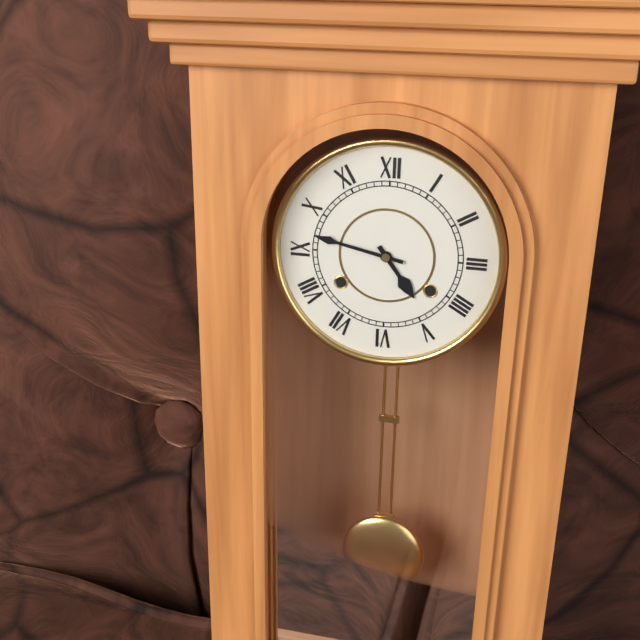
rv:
4 h 47 min
